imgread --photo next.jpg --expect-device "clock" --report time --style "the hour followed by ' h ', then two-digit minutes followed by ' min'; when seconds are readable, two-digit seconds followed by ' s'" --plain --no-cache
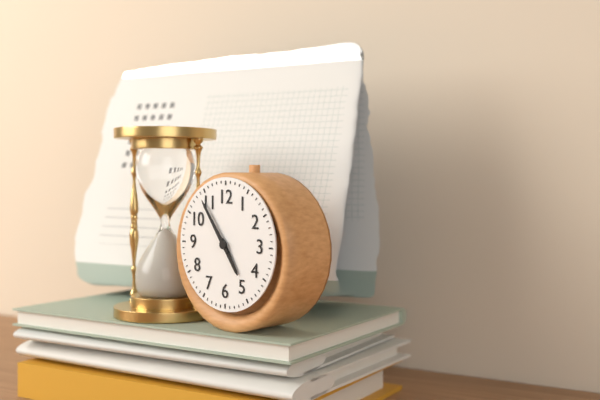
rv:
4 h 54 min
